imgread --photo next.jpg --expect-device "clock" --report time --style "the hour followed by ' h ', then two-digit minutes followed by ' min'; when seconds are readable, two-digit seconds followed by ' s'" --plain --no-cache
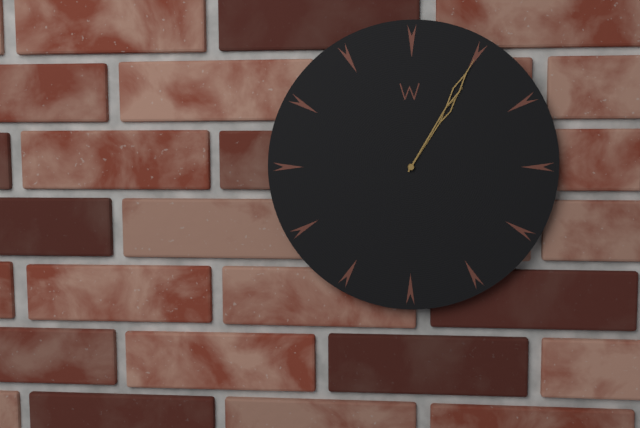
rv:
1 h 05 min
